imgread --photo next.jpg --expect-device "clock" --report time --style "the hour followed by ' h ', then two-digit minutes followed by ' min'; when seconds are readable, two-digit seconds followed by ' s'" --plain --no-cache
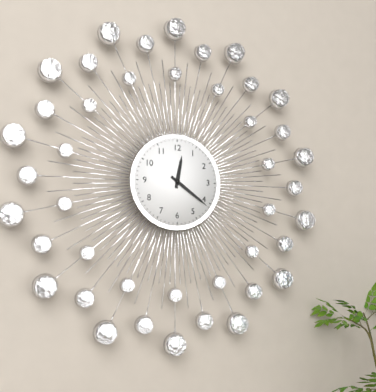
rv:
12 h 21 min
